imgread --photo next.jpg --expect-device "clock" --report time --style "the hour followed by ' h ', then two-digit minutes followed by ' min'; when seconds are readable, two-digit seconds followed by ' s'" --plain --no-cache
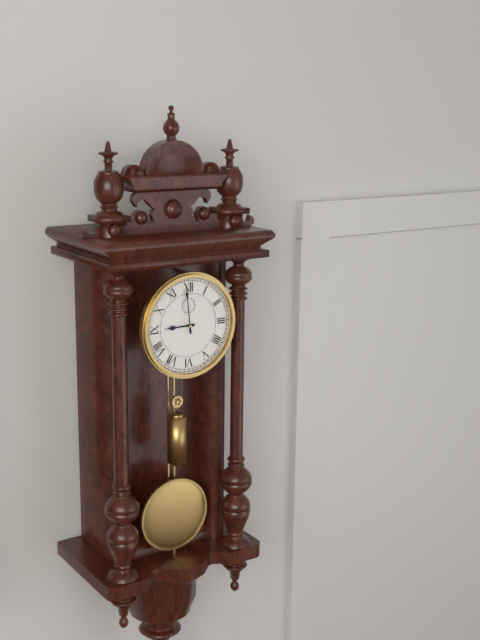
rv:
8 h 59 min
